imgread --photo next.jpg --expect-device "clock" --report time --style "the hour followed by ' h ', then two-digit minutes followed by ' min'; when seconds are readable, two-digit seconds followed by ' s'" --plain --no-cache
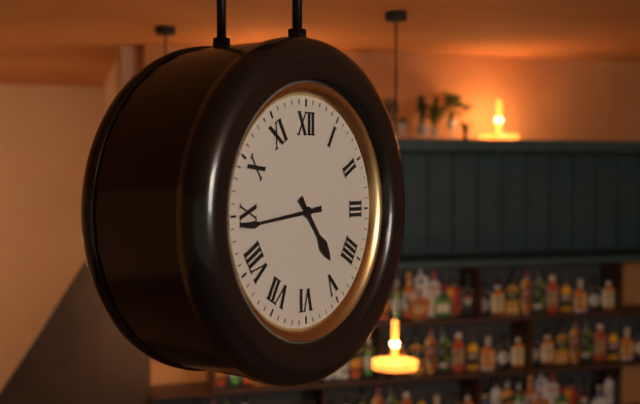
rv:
4 h 44 min
